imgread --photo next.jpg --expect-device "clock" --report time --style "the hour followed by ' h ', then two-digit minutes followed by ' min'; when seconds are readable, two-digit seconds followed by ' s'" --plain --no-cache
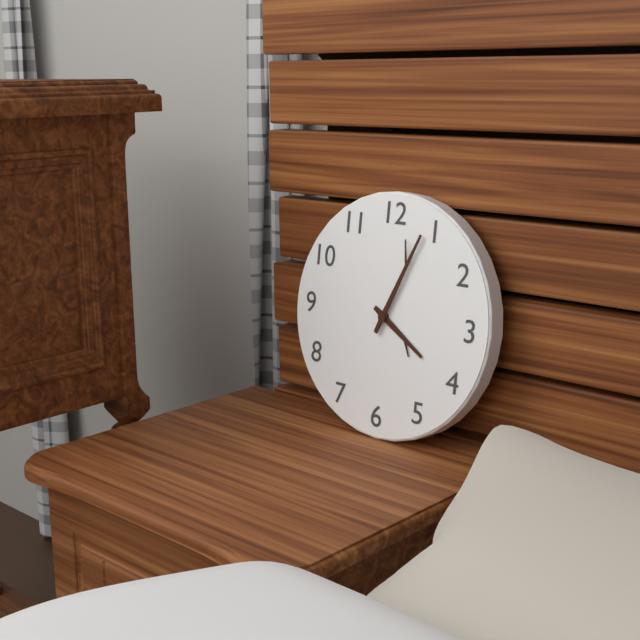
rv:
4 h 04 min
